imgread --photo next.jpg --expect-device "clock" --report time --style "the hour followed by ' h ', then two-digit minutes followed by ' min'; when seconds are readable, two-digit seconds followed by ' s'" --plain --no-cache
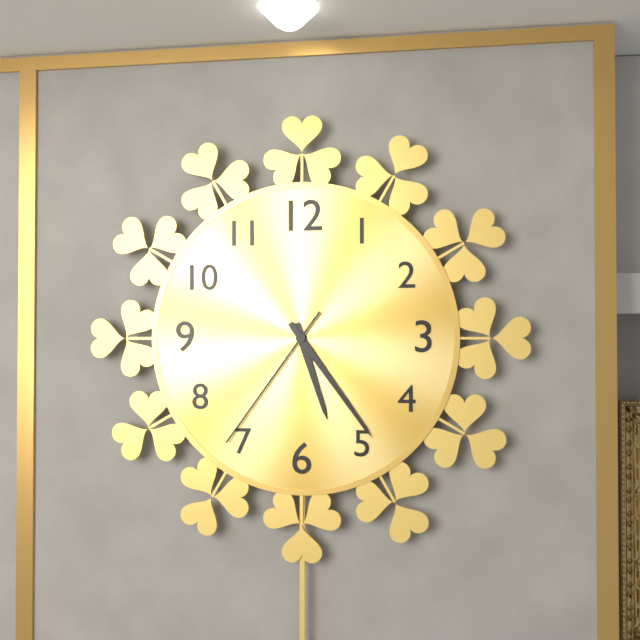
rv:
5 h 24 min 36 s
